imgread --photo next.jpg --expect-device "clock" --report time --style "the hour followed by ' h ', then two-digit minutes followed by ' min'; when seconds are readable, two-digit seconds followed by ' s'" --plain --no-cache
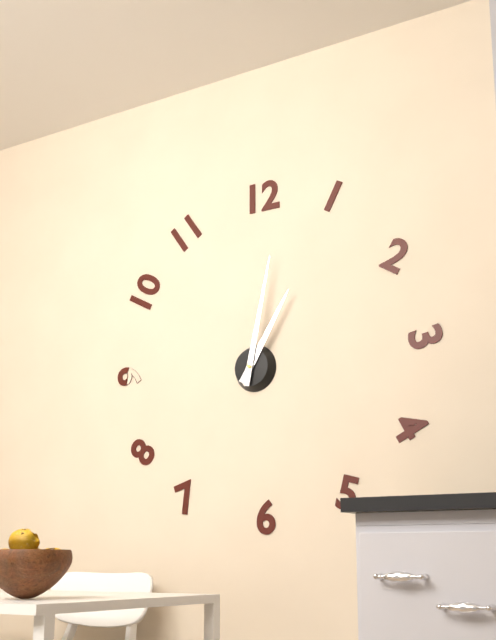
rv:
1 h 02 min
